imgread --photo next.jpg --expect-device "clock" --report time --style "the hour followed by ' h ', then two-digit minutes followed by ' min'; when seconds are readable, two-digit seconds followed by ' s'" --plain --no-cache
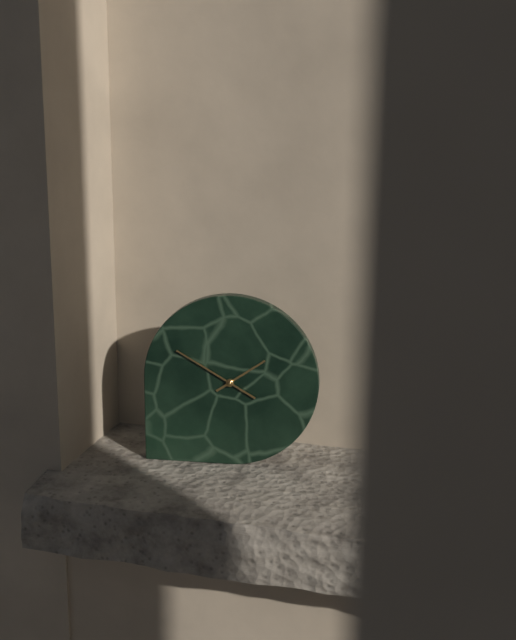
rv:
1 h 50 min
